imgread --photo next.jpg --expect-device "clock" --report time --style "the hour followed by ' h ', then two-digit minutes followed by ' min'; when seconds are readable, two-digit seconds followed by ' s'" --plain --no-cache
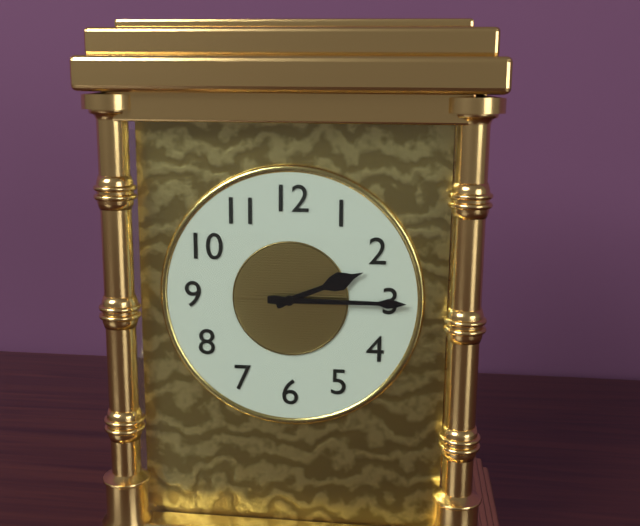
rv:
2 h 15 min
